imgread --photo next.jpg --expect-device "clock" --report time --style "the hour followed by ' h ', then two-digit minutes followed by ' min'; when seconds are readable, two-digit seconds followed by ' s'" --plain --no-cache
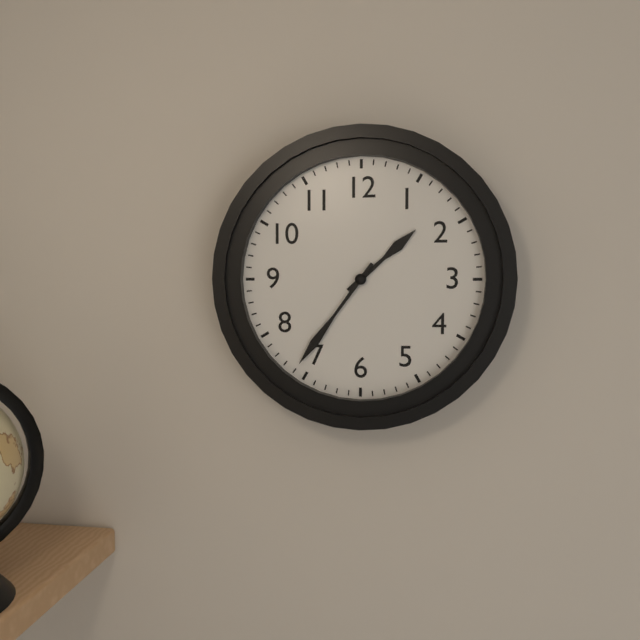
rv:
1 h 36 min
